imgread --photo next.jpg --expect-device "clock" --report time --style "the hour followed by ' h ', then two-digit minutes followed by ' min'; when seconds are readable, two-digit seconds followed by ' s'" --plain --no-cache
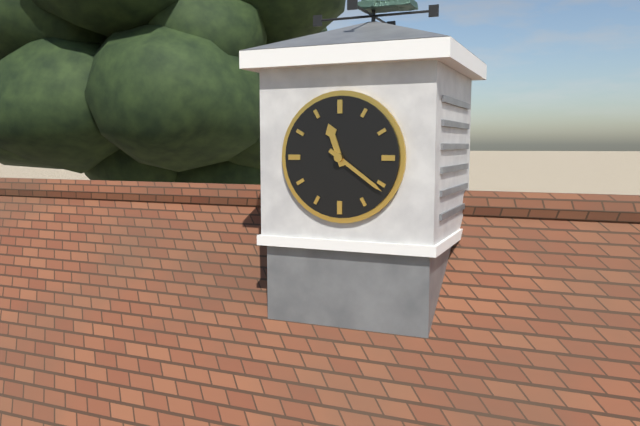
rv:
11 h 21 min
